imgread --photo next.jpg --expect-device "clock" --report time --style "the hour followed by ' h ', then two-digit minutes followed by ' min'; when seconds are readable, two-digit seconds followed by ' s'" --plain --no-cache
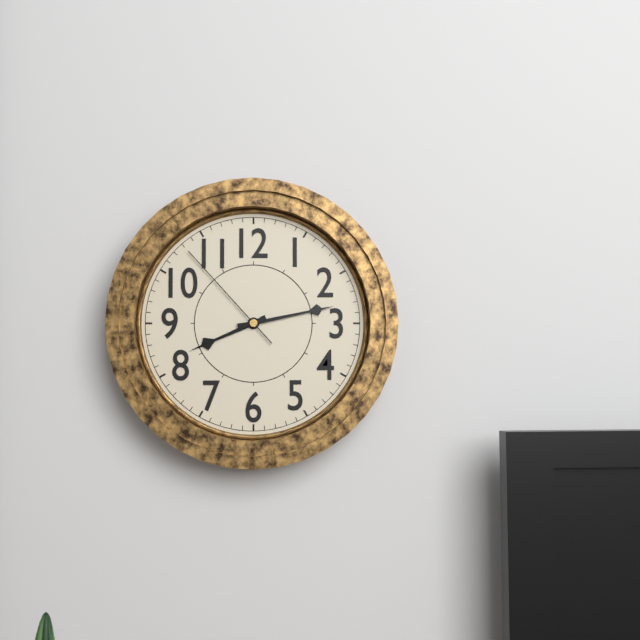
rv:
8 h 13 min 53 s
